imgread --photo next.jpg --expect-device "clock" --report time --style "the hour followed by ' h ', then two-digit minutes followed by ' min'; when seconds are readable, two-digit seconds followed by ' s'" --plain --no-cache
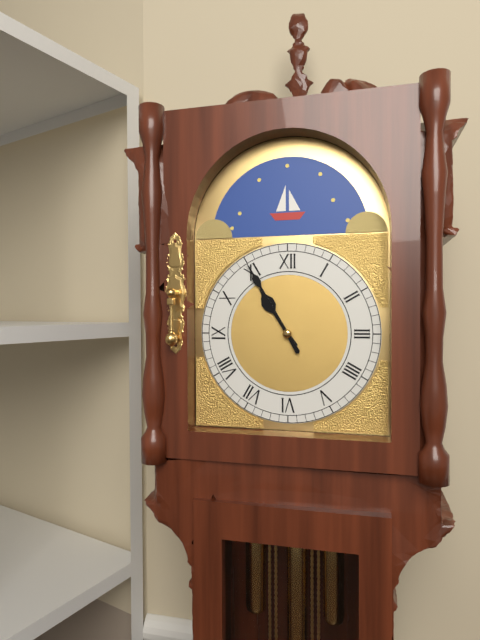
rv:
10 h 55 min
